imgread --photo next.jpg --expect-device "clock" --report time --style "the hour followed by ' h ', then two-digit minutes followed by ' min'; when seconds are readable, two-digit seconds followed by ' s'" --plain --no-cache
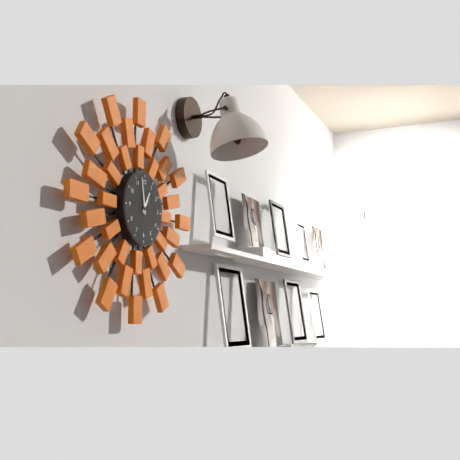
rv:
12 h 58 min
